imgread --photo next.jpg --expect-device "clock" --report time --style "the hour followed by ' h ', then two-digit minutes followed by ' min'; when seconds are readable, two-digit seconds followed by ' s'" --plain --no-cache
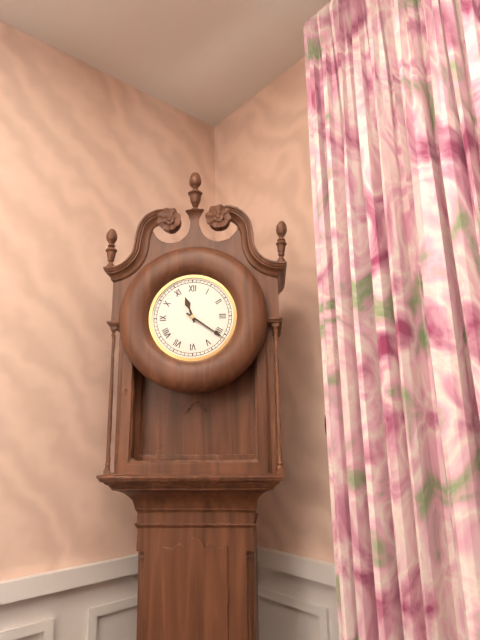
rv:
11 h 21 min
